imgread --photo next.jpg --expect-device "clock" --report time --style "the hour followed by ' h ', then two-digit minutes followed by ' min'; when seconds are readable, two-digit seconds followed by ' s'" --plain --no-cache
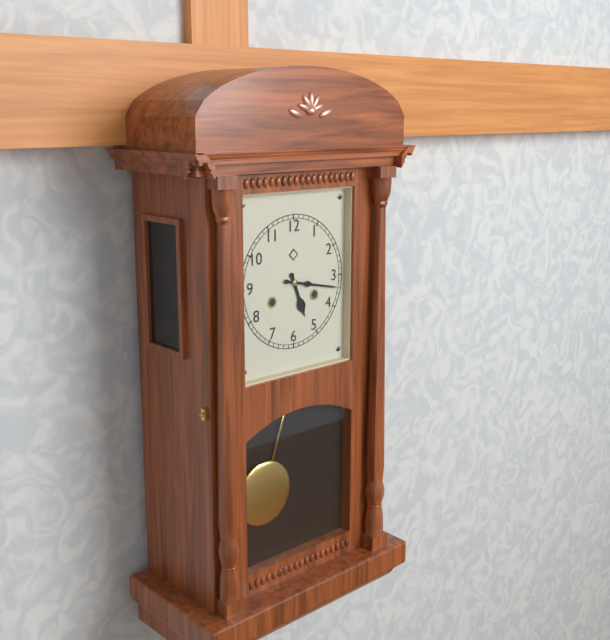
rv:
5 h 17 min
